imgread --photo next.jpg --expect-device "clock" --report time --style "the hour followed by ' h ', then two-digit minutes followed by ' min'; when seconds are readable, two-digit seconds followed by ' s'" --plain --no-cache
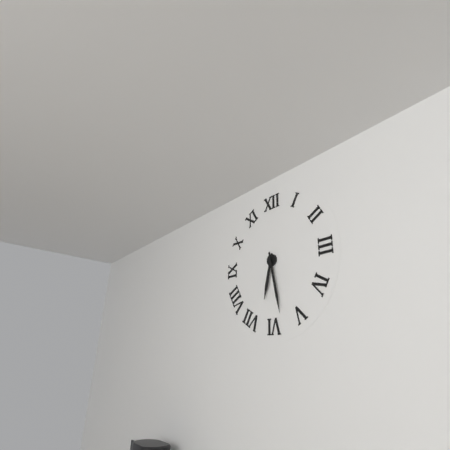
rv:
6 h 28 min
